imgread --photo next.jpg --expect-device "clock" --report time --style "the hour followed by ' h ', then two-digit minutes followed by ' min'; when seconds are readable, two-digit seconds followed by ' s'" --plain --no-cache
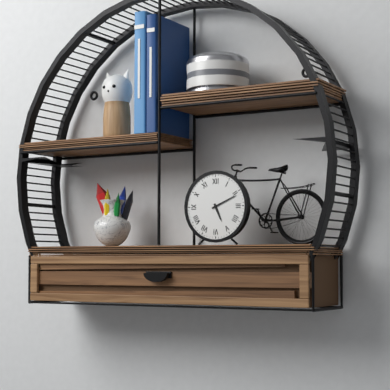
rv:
5 h 11 min
